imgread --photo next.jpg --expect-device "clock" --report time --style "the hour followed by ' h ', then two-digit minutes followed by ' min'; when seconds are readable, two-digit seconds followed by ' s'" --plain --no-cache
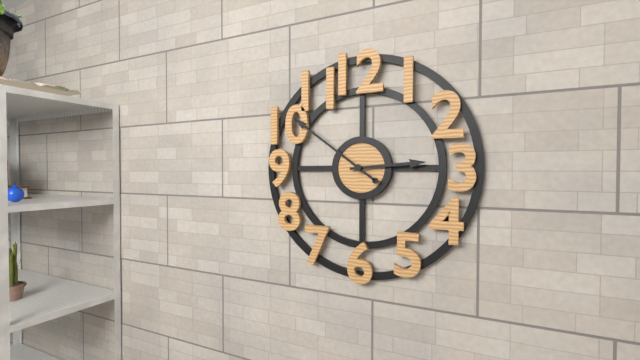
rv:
2 h 51 min
